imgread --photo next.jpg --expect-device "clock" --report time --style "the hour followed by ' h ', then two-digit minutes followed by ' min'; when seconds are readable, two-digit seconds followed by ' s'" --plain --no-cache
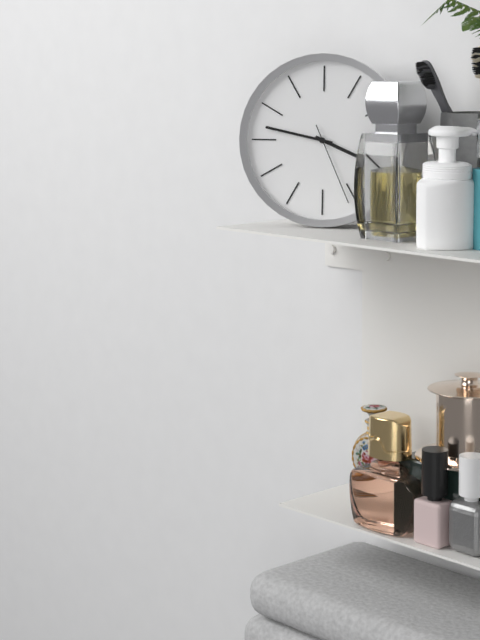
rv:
3 h 47 min 26 s
